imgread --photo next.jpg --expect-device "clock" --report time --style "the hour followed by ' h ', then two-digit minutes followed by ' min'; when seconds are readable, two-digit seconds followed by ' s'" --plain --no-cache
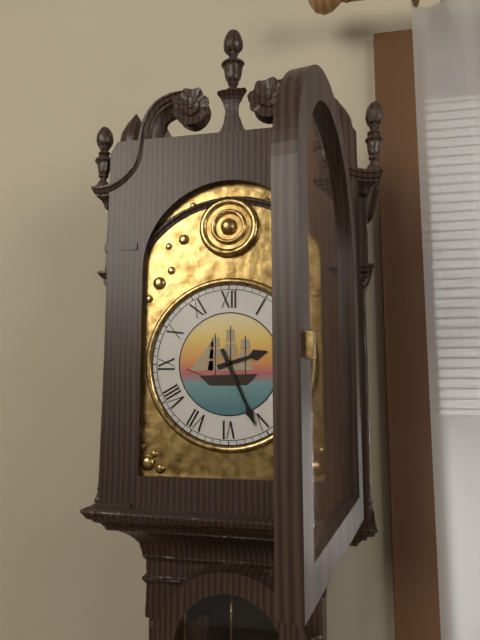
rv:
2 h 26 min
